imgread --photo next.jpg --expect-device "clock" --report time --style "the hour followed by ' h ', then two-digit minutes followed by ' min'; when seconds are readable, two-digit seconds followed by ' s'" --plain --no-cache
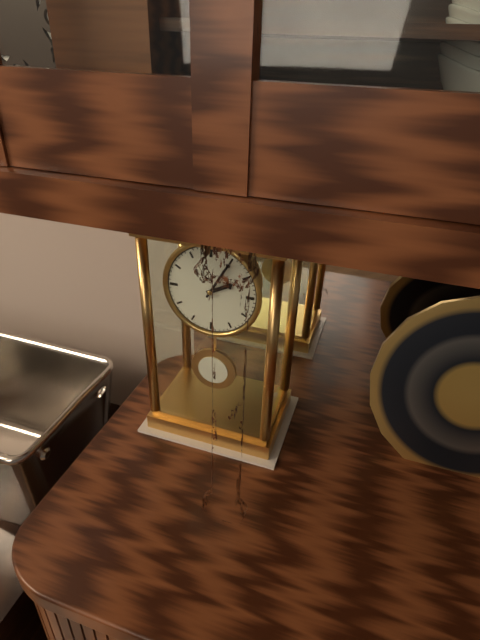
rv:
2 h 05 min
